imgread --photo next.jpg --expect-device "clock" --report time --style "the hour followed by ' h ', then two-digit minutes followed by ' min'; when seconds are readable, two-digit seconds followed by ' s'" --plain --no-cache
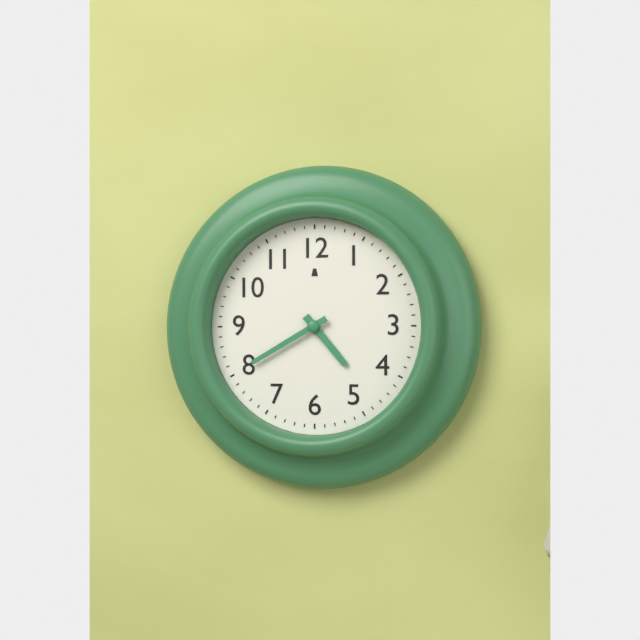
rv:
4 h 40 min
